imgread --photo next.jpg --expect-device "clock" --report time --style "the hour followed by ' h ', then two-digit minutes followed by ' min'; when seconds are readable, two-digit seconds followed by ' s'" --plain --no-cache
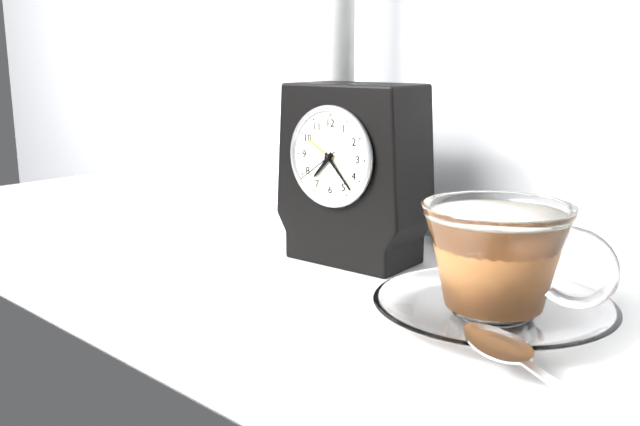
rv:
7 h 23 min
